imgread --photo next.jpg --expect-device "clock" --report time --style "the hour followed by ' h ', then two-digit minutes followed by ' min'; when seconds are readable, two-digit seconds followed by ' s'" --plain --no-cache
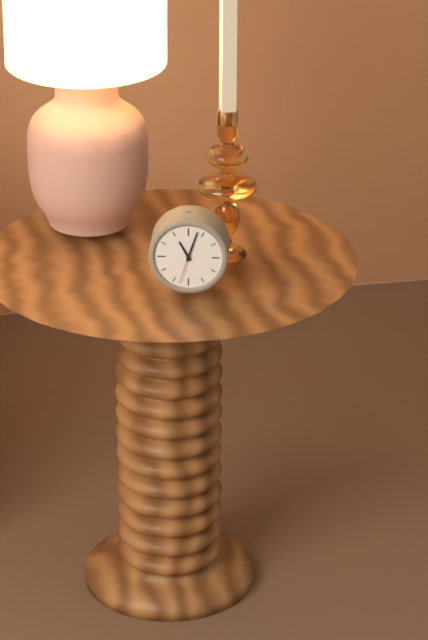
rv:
11 h 03 min
